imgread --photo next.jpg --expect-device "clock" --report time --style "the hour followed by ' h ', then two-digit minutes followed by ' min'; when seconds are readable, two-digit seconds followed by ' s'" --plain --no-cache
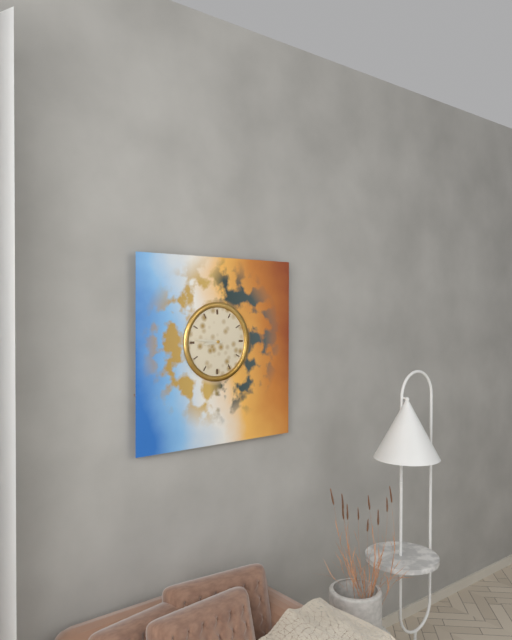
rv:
8 h 46 min
